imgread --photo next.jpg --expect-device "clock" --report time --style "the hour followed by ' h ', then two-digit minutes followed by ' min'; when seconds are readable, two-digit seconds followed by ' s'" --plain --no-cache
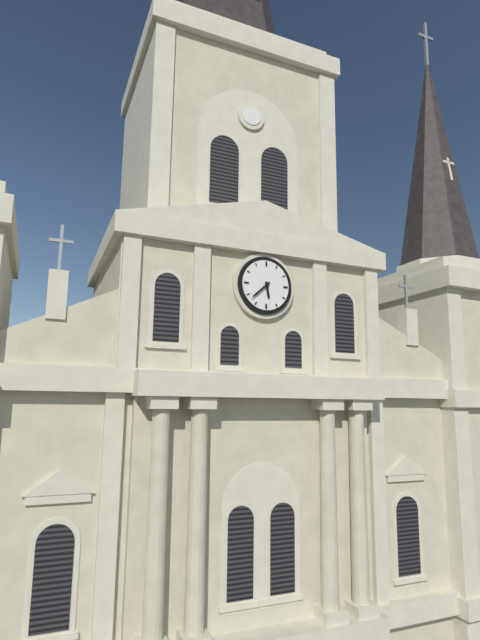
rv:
5 h 38 min
